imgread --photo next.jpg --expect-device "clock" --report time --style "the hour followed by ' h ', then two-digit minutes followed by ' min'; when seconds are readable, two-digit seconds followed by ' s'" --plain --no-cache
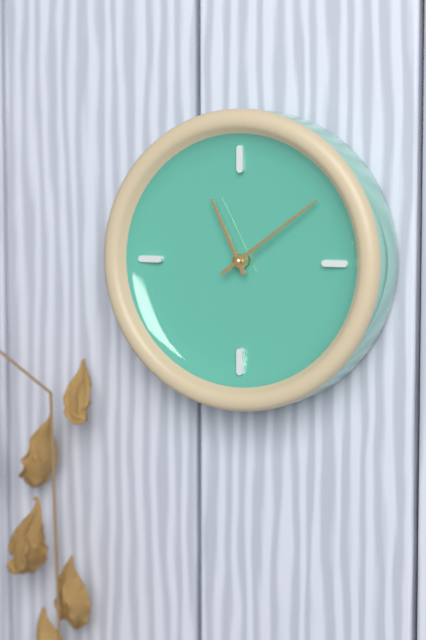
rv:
11 h 09 min
